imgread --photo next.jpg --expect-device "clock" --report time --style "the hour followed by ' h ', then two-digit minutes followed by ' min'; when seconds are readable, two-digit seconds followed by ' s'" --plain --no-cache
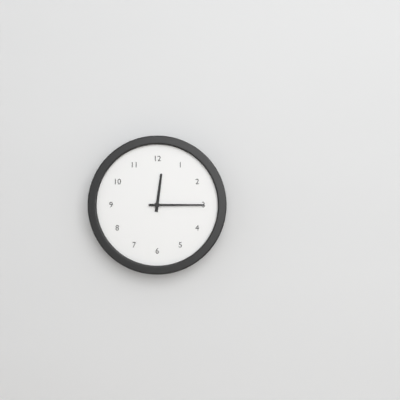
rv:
12 h 15 min
